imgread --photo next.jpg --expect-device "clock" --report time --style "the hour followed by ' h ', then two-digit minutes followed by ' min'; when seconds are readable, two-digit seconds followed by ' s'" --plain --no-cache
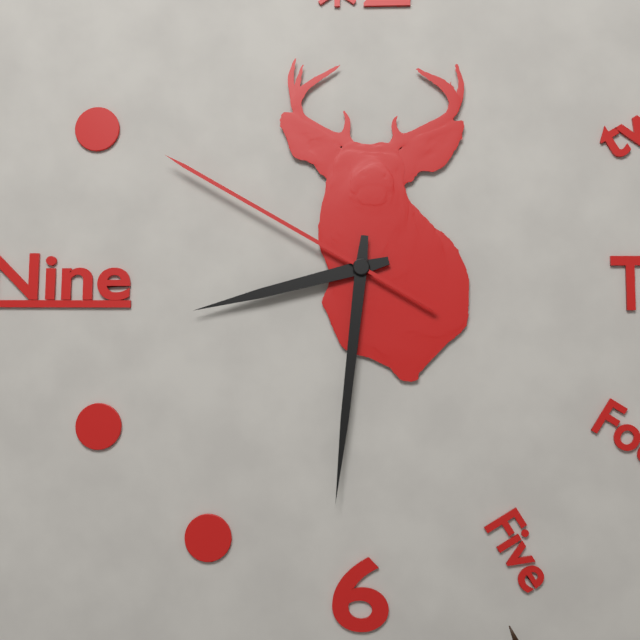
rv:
8 h 31 min 50 s
